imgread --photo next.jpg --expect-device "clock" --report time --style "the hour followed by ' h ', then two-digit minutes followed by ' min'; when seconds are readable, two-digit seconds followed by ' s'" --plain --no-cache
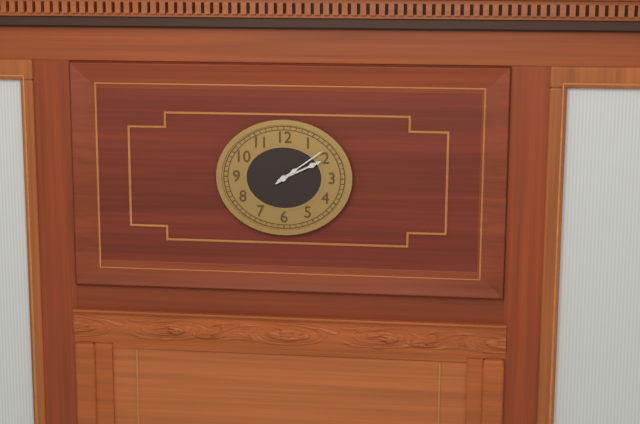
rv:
2 h 09 min
